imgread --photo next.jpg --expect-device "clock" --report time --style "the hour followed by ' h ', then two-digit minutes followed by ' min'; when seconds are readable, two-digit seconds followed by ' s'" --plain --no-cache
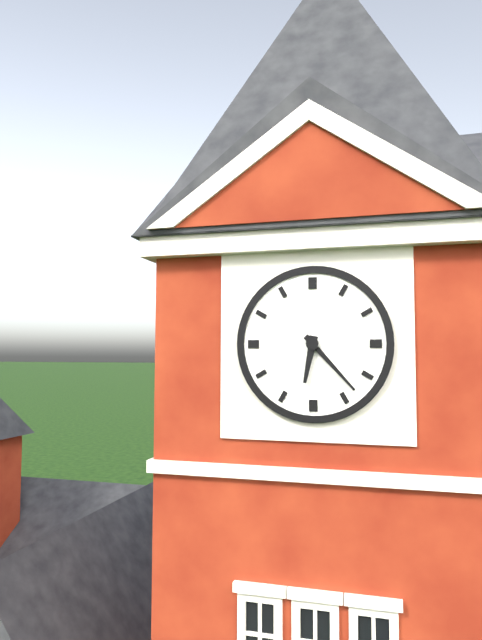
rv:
6 h 23 min
